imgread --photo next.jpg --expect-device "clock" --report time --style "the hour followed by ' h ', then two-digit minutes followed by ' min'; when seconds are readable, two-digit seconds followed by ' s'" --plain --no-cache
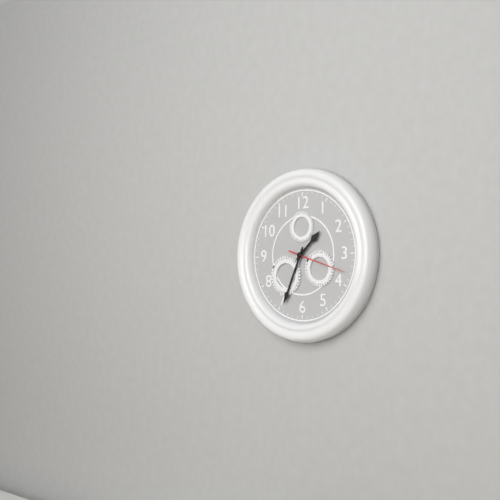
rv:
1 h 34 min 18 s
